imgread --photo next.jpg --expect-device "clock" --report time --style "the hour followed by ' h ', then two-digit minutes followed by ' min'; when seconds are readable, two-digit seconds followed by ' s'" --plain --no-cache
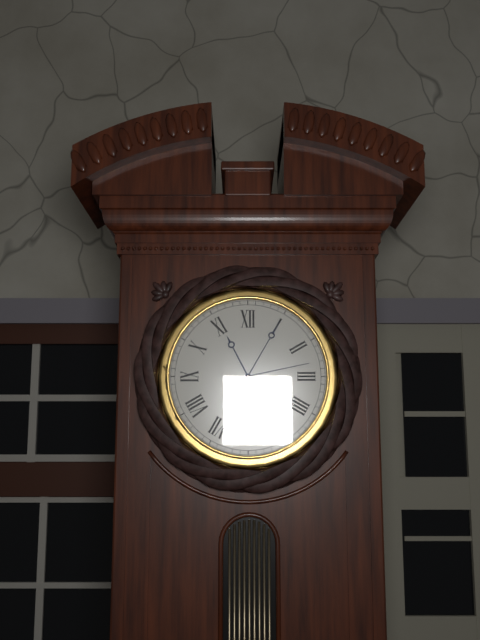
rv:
11 h 05 min 13 s
